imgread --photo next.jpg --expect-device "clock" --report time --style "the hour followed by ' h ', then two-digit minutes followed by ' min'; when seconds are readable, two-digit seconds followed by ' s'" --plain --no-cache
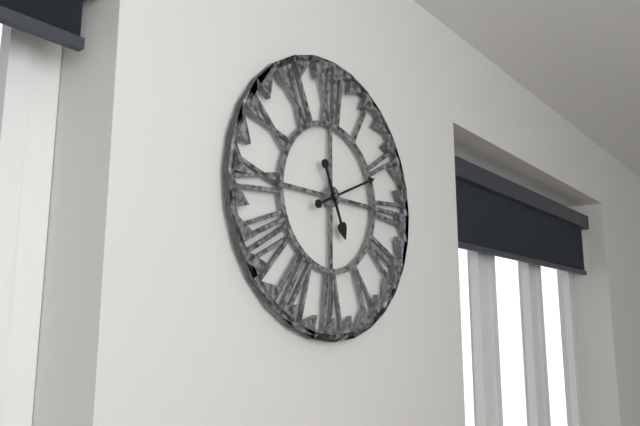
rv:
5 h 11 min
